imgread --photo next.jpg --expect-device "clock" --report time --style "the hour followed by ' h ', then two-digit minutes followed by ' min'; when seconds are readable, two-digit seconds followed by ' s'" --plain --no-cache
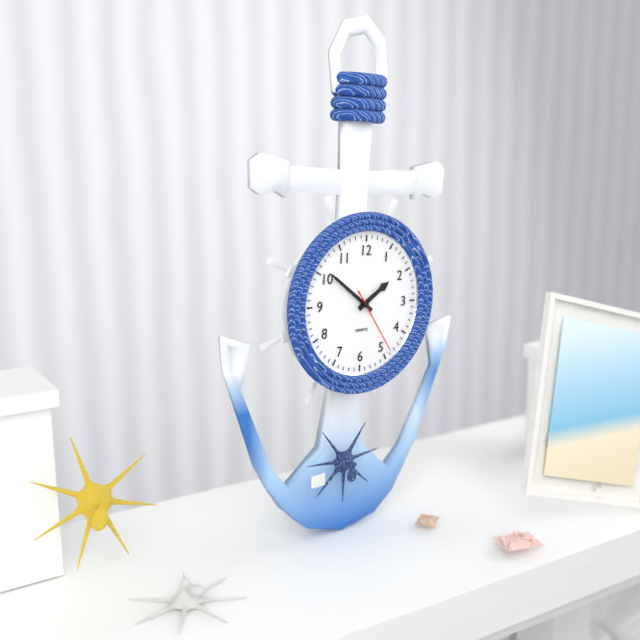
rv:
1 h 51 min 24 s
